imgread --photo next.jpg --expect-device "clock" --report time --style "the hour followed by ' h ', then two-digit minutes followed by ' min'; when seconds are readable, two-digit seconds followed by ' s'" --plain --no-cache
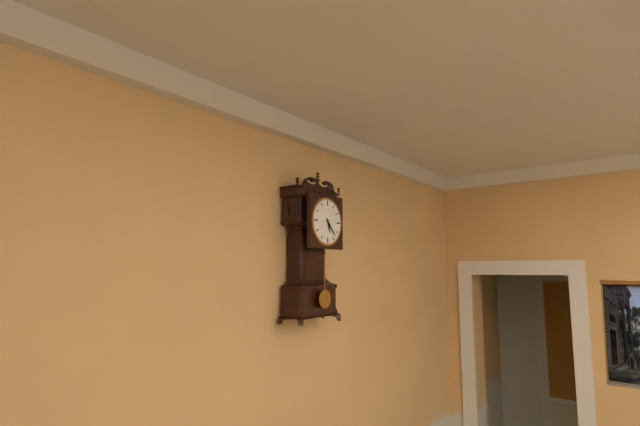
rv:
5 h 23 min
